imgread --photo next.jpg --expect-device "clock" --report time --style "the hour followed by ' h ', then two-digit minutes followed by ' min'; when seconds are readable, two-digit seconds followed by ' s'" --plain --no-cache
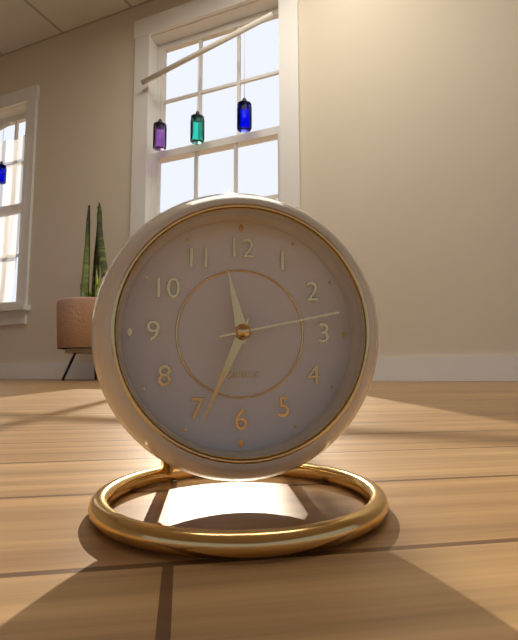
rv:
11 h 34 min 13 s
